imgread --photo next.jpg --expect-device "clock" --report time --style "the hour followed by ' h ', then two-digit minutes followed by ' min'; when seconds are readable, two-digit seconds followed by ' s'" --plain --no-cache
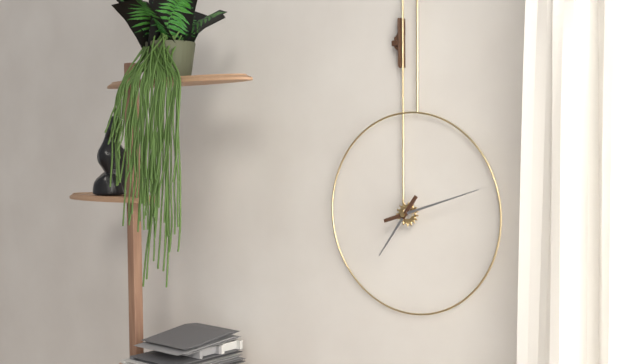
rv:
7 h 12 min
